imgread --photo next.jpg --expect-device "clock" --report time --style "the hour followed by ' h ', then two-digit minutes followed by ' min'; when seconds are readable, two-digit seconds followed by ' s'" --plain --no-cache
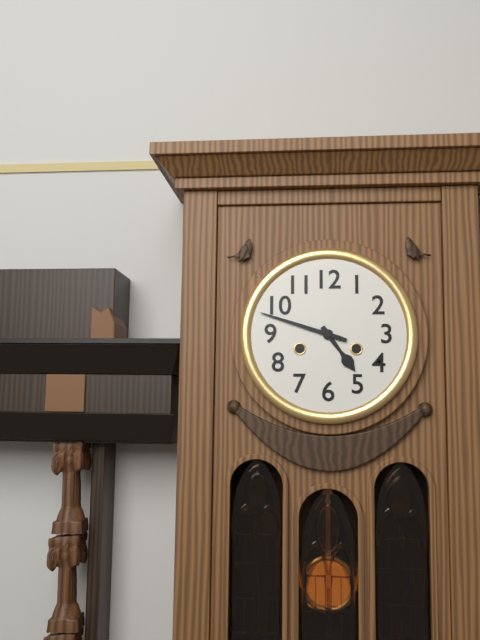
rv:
4 h 48 min
